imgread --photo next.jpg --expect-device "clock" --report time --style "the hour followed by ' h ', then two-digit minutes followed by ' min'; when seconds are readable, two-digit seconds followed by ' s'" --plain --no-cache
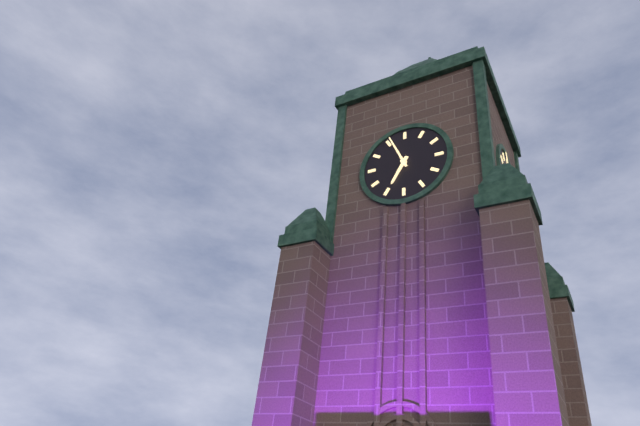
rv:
6 h 56 min
